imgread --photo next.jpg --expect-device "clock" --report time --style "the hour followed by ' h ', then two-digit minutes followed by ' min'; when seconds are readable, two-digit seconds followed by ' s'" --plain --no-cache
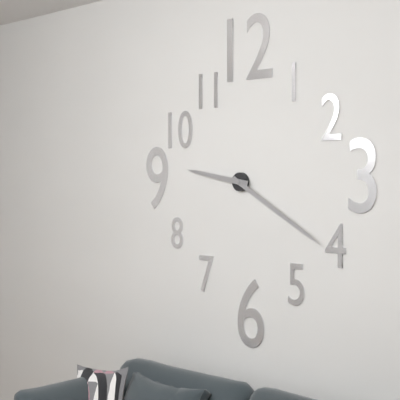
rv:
9 h 20 min
